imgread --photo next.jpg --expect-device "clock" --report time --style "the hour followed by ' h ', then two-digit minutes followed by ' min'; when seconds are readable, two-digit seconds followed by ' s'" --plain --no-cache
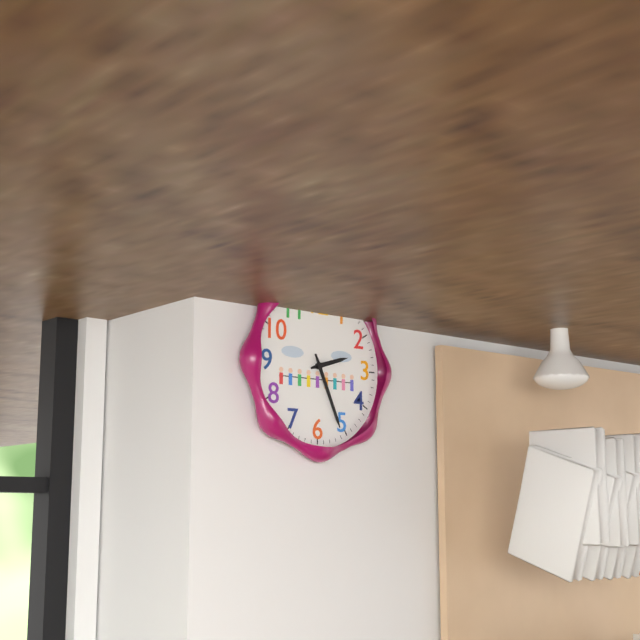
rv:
2 h 26 min
